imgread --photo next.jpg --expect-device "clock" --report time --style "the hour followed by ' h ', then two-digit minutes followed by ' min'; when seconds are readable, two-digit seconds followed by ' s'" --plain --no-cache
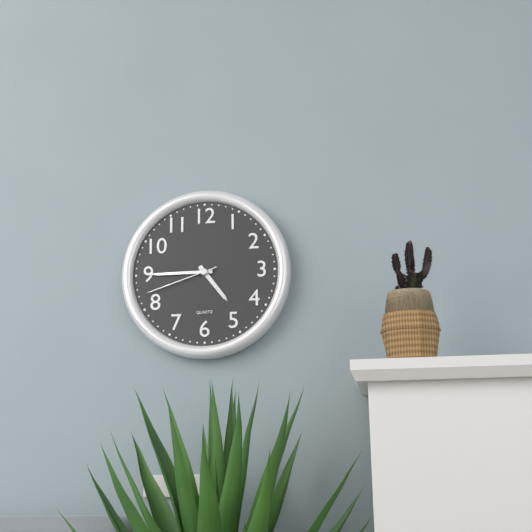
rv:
4 h 45 min 42 s
